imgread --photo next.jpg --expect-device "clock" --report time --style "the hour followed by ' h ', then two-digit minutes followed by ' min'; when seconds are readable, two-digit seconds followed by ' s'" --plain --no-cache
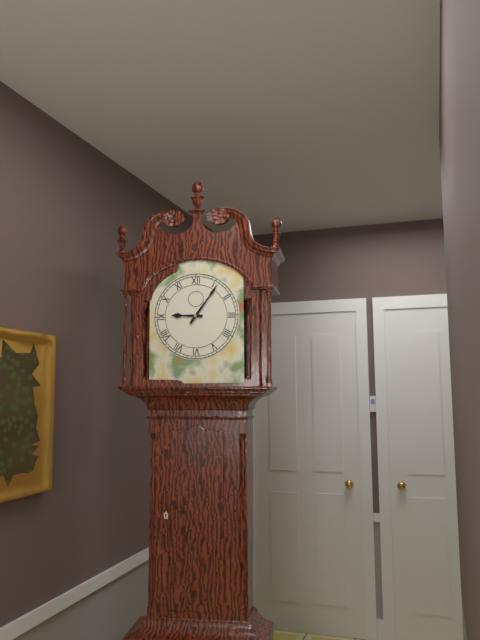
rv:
9 h 06 min
